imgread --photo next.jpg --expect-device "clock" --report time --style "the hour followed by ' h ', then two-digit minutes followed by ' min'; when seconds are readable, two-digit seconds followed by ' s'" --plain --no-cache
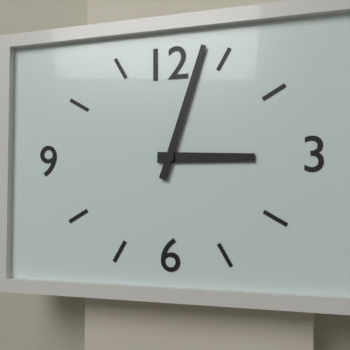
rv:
3 h 03 min
